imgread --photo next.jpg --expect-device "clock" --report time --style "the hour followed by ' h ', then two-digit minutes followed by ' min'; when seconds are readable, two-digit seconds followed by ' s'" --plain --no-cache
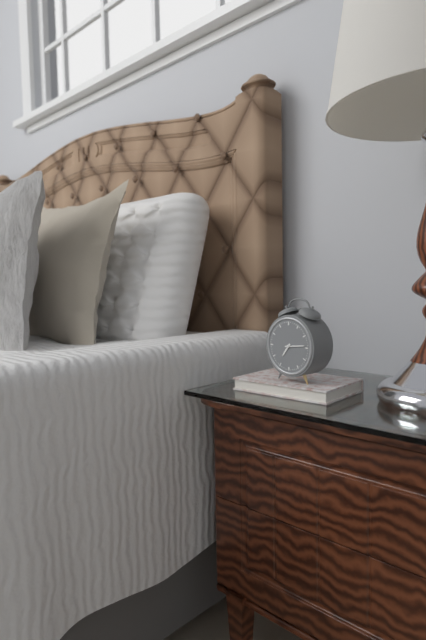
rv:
7 h 14 min
